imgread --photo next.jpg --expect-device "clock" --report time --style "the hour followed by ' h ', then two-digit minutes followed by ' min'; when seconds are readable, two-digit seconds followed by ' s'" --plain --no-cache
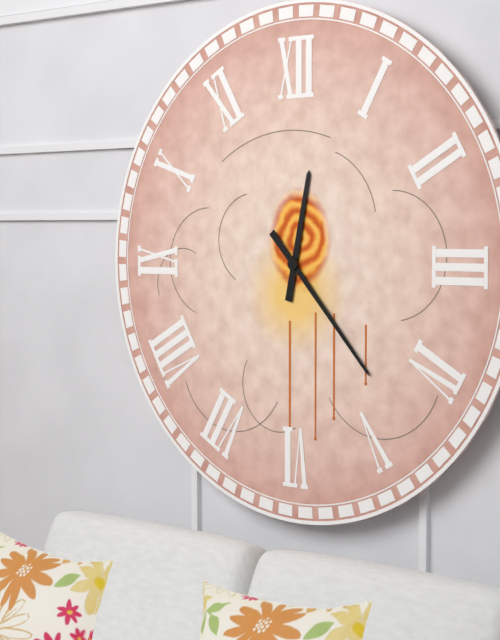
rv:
12 h 23 min
